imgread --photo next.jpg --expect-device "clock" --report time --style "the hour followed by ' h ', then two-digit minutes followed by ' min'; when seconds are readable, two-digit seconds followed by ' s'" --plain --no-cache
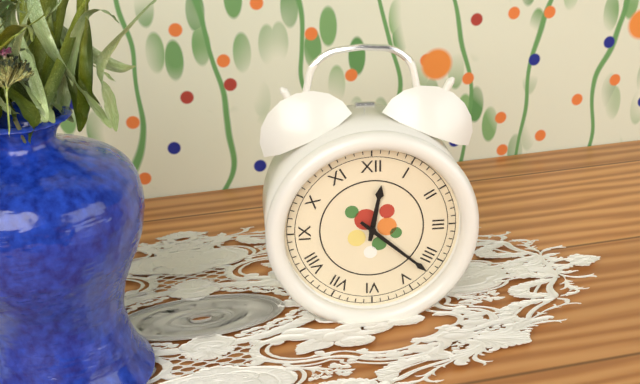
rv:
12 h 22 min
